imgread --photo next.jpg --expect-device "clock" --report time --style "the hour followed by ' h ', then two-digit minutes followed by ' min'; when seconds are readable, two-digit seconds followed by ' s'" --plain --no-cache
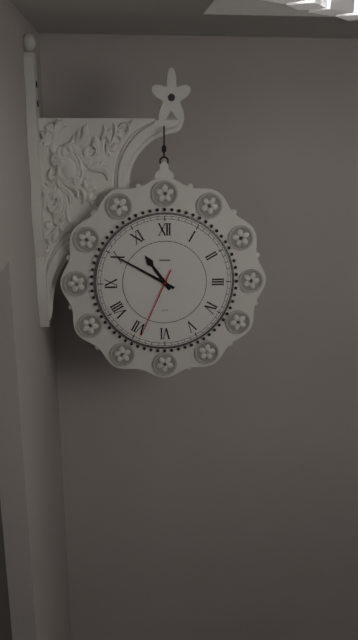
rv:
10 h 50 min 34 s
